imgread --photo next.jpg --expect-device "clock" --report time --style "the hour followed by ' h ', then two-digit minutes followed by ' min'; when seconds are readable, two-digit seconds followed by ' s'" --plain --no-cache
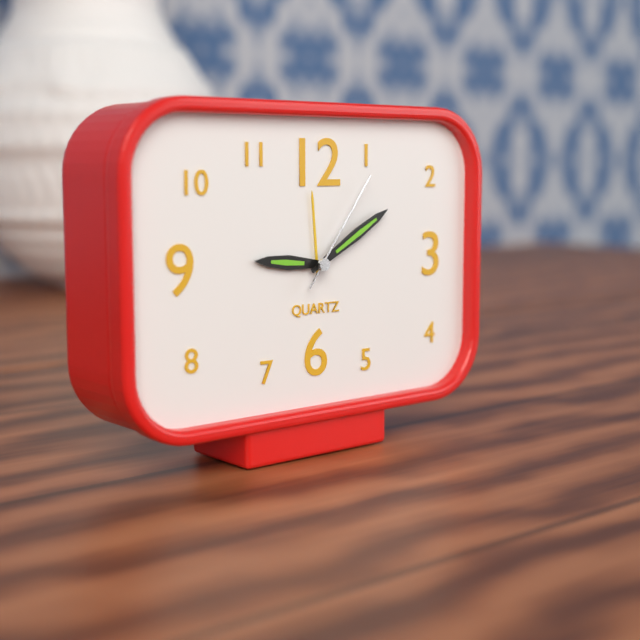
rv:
9 h 10 min 06 s
